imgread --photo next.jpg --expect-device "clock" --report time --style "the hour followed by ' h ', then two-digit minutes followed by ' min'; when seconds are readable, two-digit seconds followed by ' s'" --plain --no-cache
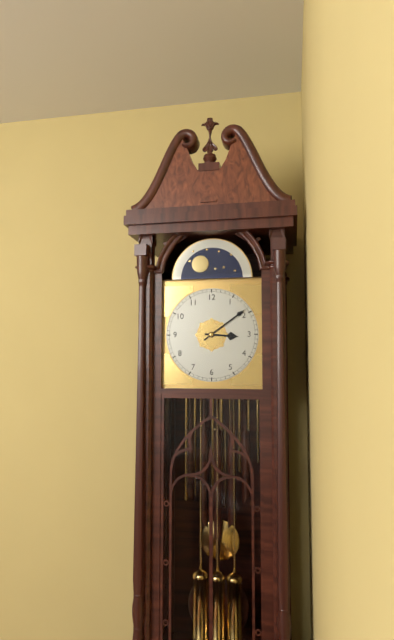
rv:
3 h 09 min
